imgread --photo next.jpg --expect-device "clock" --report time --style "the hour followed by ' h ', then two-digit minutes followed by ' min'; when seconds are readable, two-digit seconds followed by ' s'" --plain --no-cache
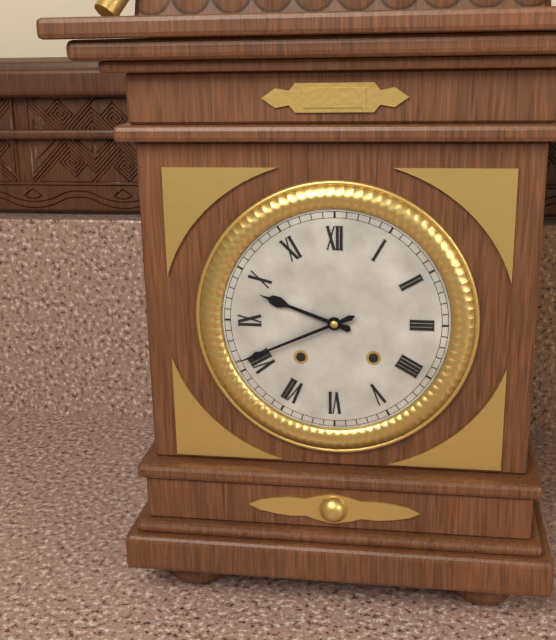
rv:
9 h 41 min
